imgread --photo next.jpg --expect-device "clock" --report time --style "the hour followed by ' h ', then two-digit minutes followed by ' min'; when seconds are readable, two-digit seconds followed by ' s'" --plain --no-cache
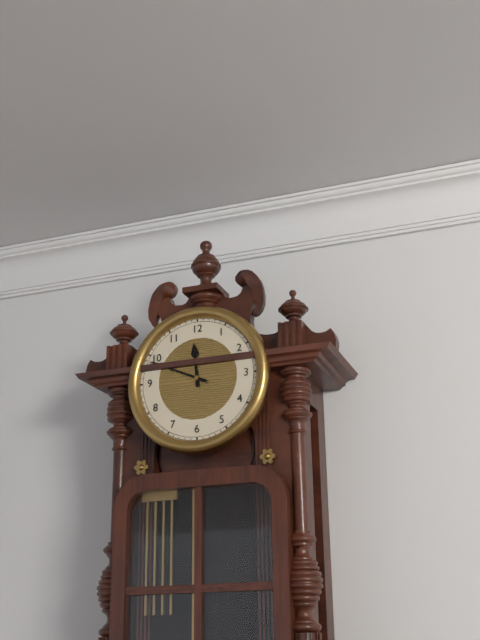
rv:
11 h 49 min
